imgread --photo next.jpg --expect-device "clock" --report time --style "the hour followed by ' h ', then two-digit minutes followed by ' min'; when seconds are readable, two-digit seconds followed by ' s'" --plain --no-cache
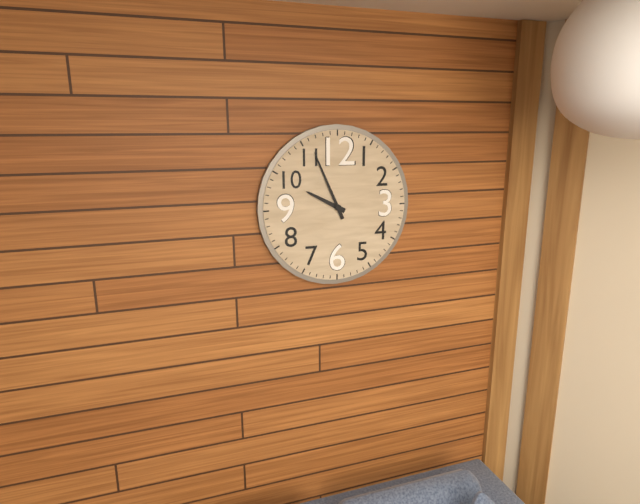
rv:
9 h 56 min
